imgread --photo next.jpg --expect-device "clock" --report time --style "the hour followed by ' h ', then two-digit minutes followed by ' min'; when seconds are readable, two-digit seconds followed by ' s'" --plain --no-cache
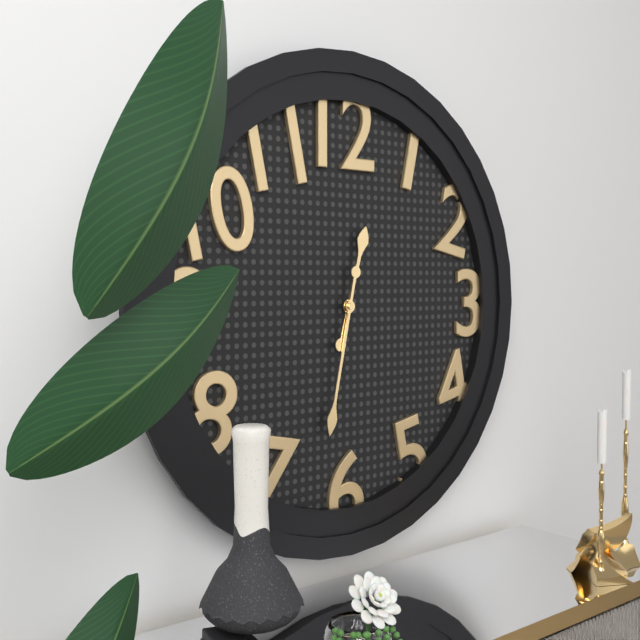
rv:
12 h 32 min
